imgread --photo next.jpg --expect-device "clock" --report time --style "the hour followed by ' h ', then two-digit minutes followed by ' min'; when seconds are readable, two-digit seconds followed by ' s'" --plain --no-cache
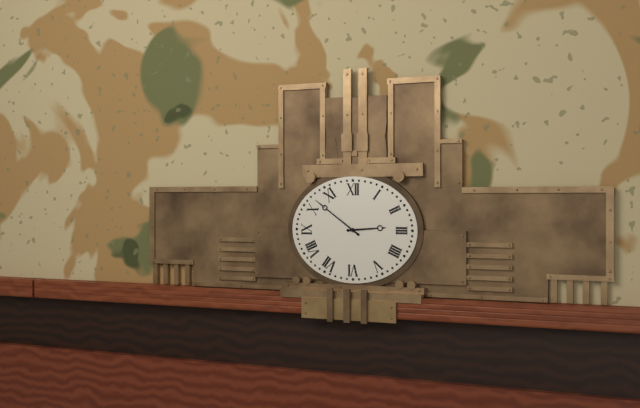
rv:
2 h 51 min
